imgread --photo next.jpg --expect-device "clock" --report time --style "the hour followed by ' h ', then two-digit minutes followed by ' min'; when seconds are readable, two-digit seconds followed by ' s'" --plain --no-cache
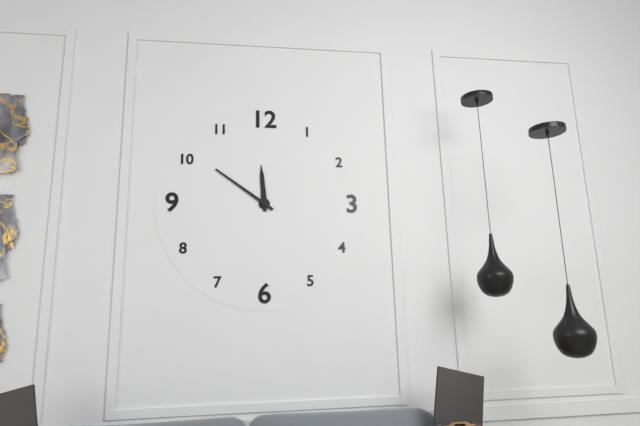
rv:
11 h 51 min
